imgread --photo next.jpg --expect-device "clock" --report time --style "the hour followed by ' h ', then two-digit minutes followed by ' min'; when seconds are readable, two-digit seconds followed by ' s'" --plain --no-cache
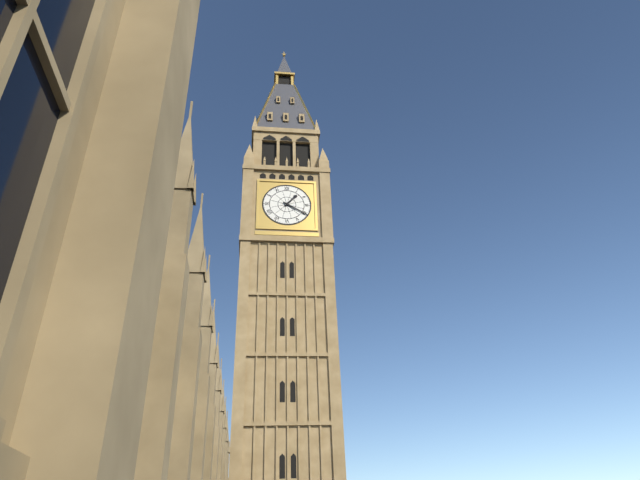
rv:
1 h 20 min
